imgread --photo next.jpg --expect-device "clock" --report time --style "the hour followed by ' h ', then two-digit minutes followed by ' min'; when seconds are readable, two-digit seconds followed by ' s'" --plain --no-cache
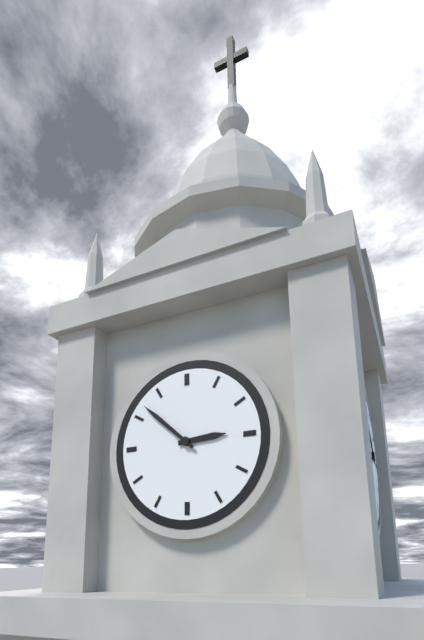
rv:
2 h 52 min
